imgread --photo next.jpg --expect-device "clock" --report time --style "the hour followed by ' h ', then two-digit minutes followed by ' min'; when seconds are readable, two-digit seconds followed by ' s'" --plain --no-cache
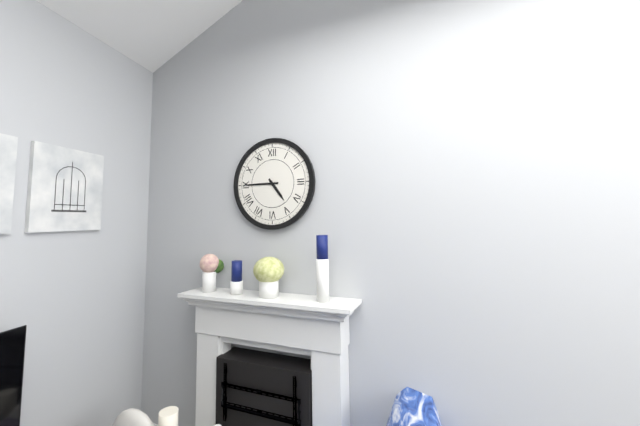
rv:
4 h 45 min
